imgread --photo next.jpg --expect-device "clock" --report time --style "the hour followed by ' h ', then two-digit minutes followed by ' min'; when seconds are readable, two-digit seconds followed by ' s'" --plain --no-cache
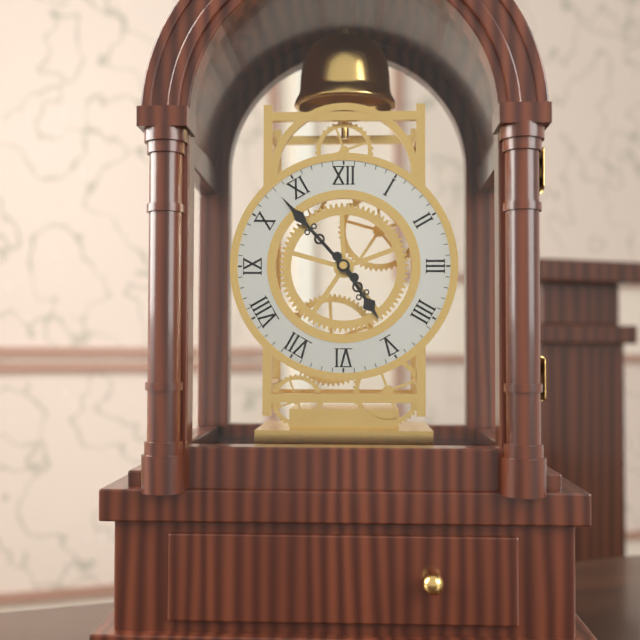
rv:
4 h 53 min
